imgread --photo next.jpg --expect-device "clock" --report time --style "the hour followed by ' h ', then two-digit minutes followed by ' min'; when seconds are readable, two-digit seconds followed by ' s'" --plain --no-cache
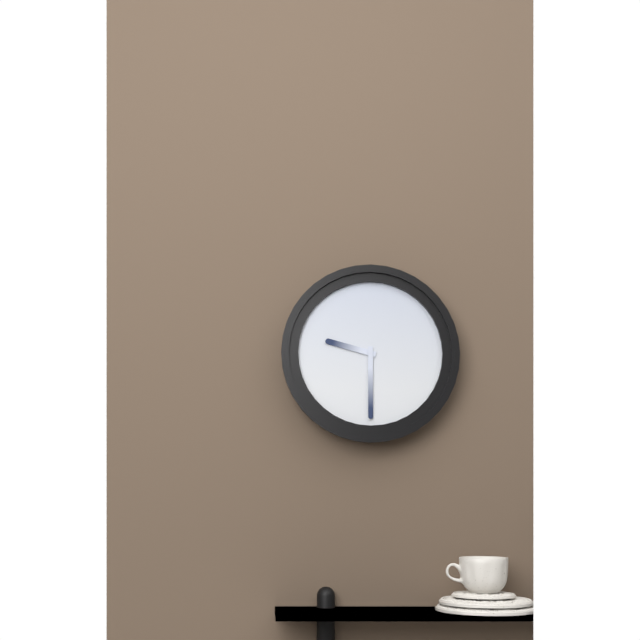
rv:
9 h 30 min
